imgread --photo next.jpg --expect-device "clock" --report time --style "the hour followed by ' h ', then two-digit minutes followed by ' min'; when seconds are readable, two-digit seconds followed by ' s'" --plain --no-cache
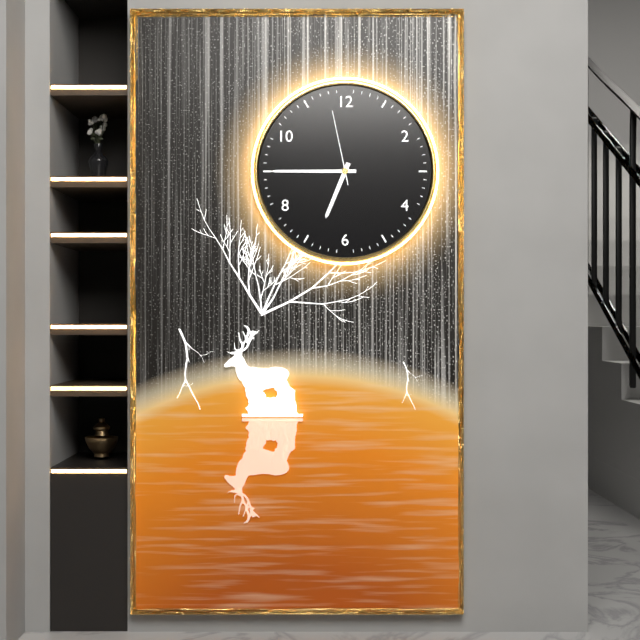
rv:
6 h 45 min 58 s
